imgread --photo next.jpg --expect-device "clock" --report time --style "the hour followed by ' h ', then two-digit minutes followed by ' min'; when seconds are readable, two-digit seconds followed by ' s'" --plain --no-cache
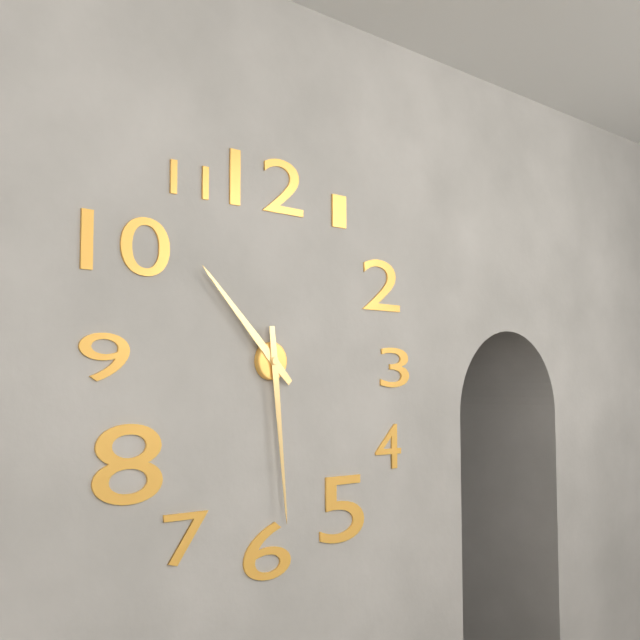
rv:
10 h 29 min
